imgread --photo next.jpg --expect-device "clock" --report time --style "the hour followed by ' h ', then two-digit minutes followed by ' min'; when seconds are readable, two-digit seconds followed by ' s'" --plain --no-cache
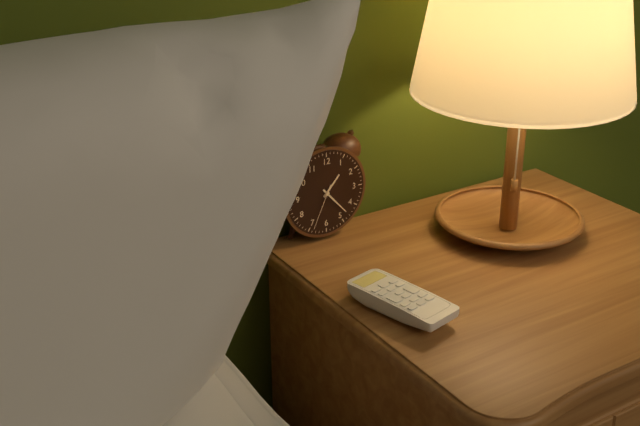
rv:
1 h 23 min
